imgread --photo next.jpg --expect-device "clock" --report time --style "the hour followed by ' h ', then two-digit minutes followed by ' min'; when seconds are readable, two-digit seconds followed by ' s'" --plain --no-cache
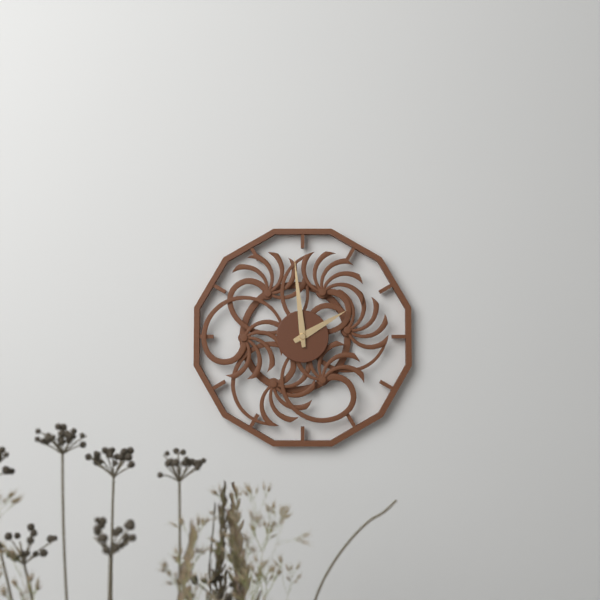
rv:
1 h 59 min
